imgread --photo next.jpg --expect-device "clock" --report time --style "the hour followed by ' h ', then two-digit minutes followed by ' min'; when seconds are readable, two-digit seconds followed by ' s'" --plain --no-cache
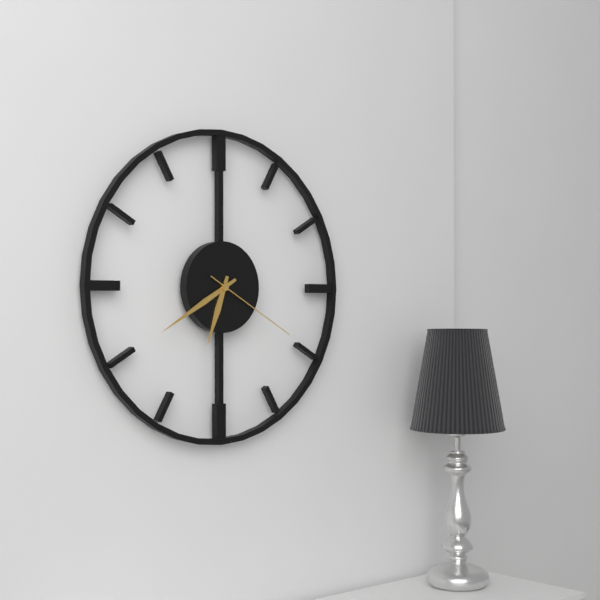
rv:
6 h 40 min 20 s
